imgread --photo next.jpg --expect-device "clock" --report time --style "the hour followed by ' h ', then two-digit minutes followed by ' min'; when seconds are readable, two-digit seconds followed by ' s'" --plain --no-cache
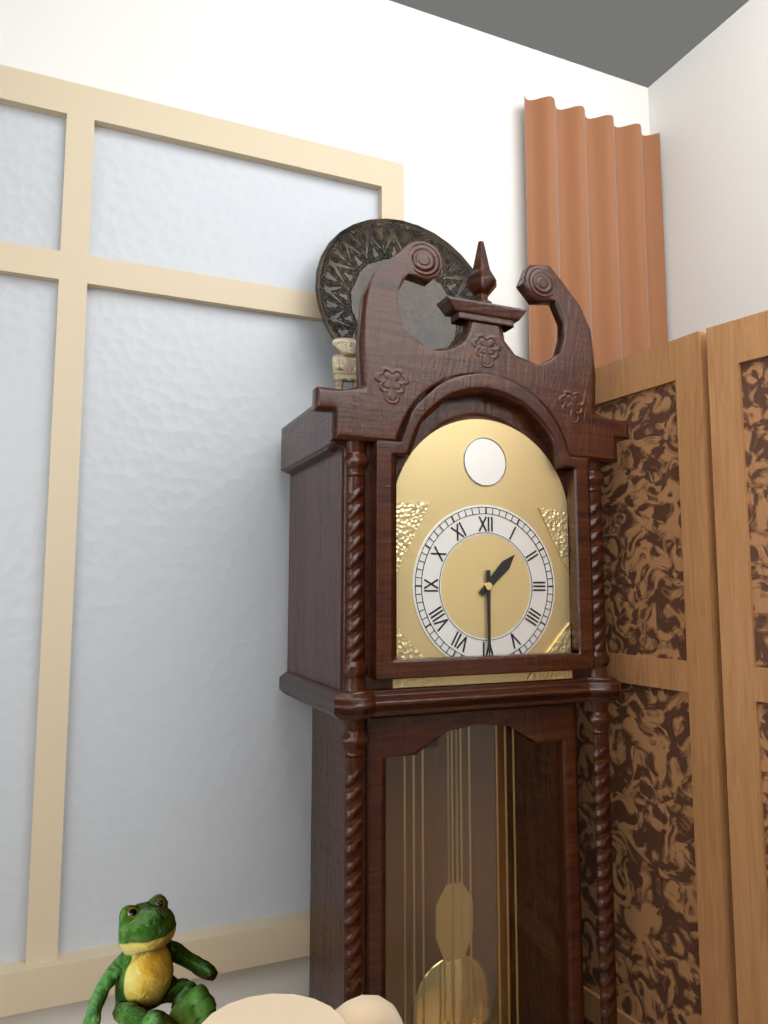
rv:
1 h 30 min
